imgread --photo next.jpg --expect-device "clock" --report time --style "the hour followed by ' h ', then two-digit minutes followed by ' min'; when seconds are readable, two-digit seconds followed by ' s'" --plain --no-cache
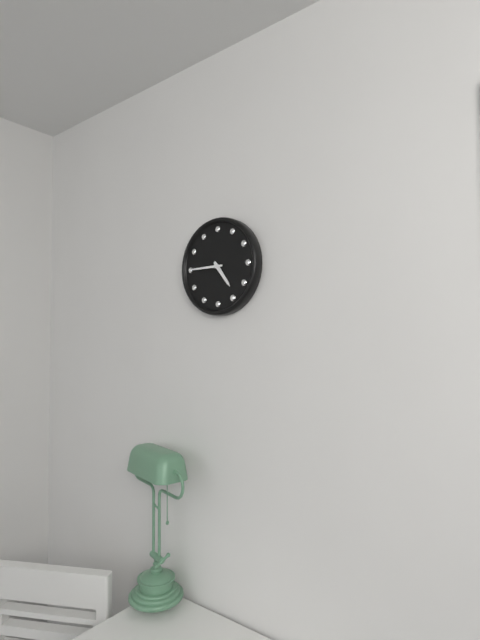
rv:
4 h 45 min
